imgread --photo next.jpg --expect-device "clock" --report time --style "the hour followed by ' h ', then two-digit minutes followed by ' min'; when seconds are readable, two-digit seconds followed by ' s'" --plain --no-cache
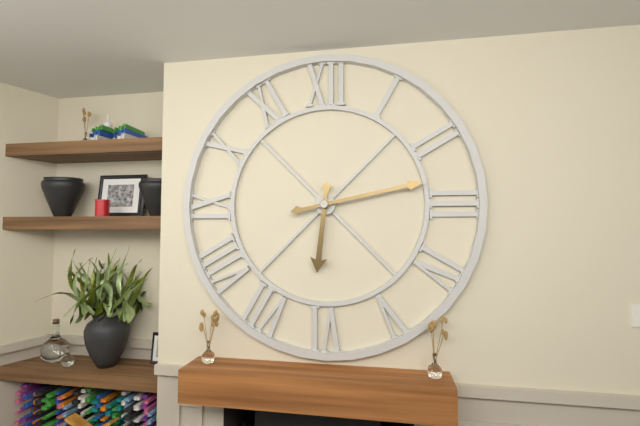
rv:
6 h 13 min
